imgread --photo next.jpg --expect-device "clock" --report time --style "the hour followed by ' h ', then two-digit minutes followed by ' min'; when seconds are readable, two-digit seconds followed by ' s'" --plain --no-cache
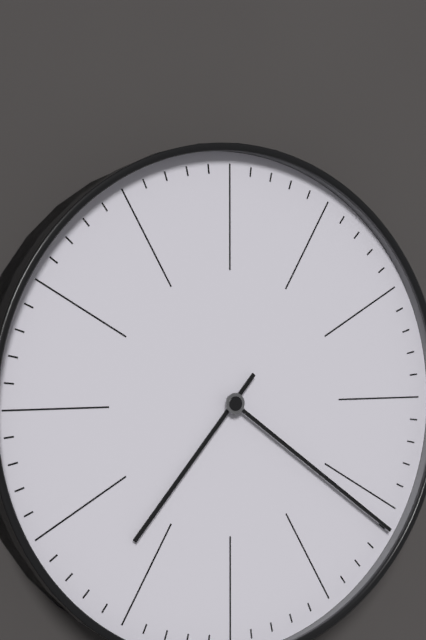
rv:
7 h 21 min
